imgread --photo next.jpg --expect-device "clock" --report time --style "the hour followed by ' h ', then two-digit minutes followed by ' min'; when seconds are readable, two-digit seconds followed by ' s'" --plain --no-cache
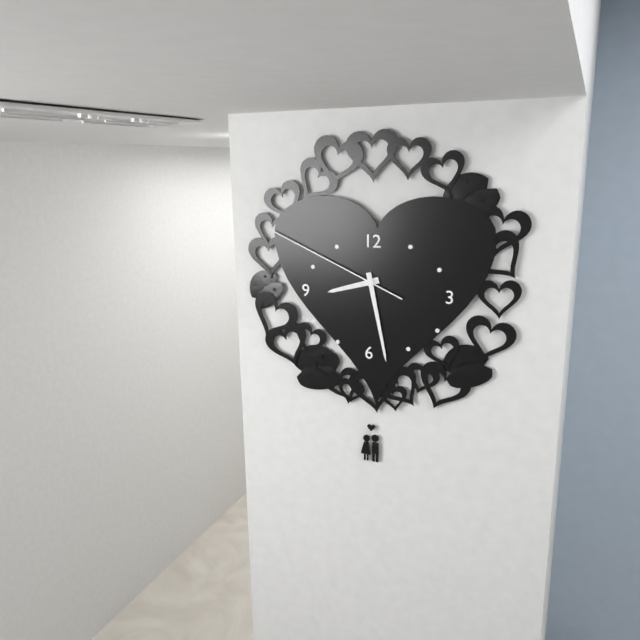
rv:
8 h 28 min 49 s
